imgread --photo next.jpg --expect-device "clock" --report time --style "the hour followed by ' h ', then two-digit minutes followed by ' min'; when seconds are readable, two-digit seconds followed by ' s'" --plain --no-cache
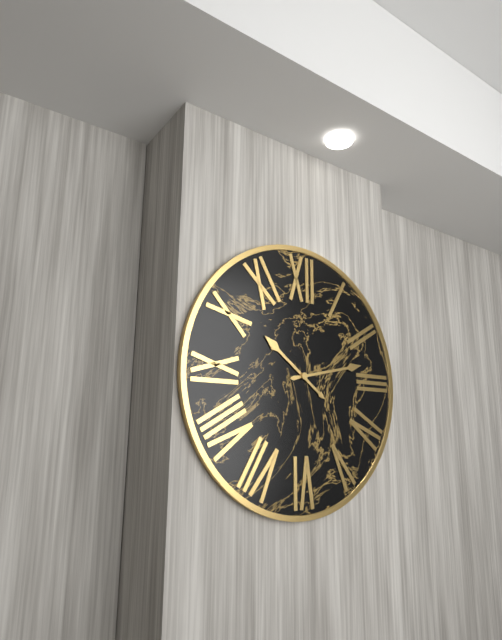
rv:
10 h 13 min
